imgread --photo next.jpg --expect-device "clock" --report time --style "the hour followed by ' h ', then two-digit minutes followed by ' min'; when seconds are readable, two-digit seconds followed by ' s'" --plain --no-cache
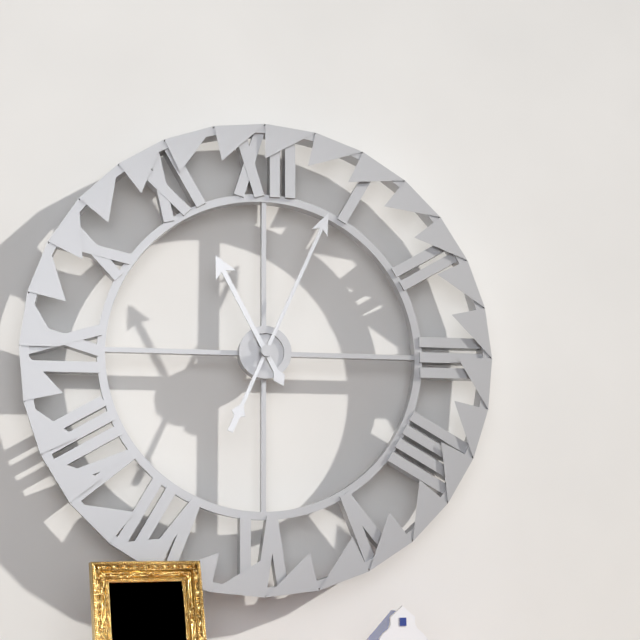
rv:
11 h 04 min
